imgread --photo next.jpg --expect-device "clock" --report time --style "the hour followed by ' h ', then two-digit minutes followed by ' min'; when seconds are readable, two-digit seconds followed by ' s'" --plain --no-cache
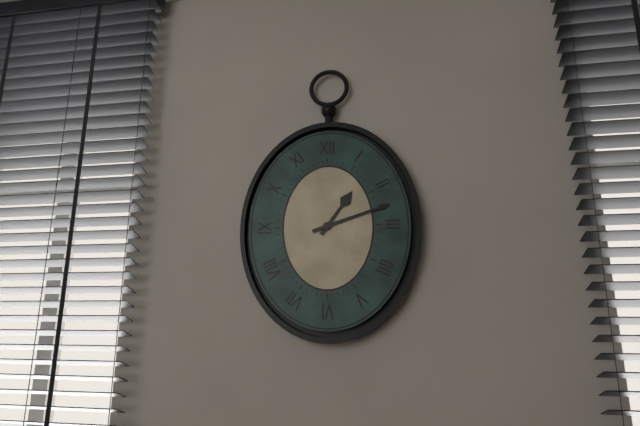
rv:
1 h 12 min
